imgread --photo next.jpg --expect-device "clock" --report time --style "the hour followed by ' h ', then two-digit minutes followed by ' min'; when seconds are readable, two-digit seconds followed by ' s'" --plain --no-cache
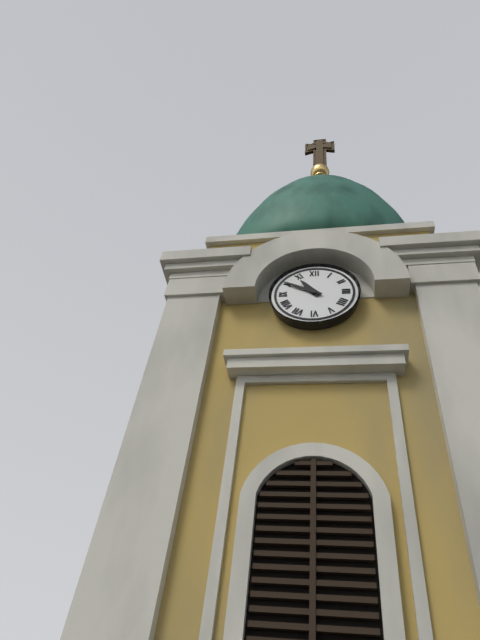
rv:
10 h 50 min
